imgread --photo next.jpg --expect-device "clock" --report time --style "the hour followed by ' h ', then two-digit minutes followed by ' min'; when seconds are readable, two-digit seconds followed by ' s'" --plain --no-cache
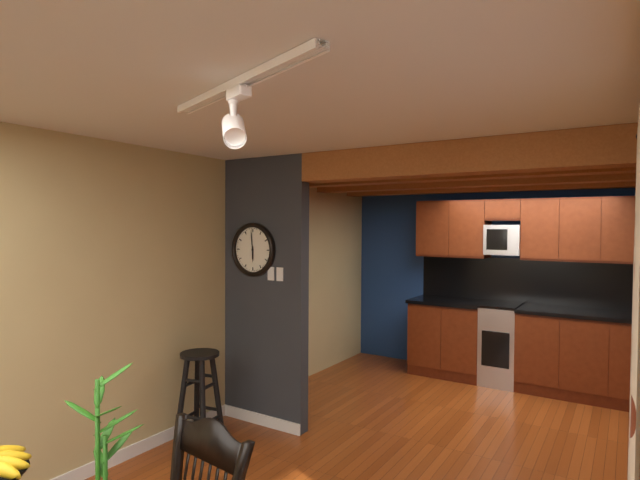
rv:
5 h 59 min
